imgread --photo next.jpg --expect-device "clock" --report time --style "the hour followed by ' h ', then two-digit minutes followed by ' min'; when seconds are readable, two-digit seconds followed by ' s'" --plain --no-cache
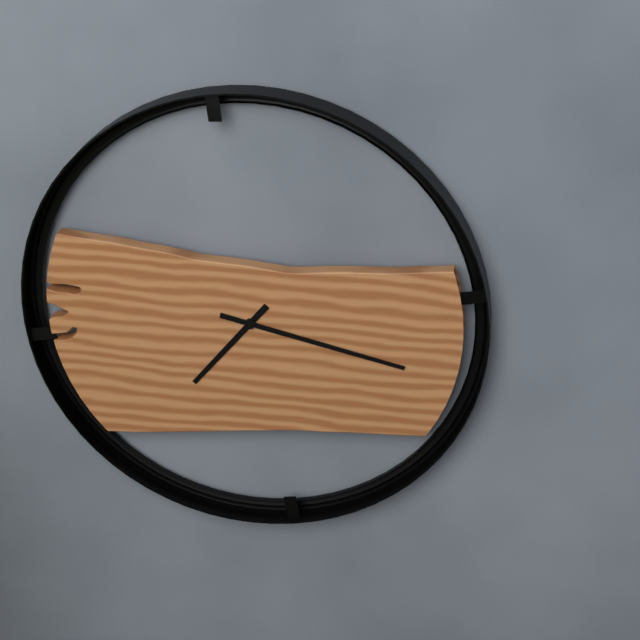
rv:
7 h 17 min
